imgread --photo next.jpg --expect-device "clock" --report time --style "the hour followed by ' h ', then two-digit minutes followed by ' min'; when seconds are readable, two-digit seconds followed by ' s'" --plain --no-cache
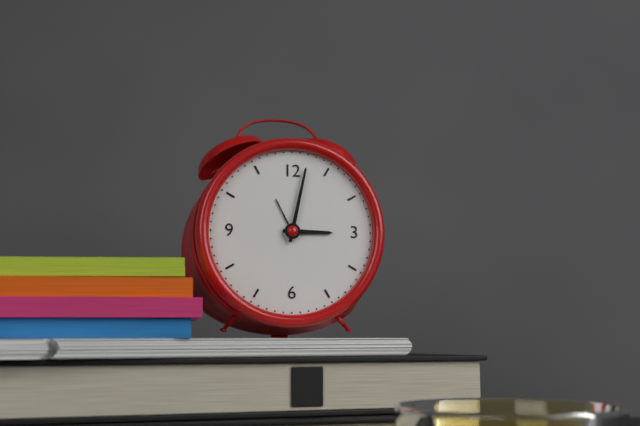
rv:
3 h 02 min
